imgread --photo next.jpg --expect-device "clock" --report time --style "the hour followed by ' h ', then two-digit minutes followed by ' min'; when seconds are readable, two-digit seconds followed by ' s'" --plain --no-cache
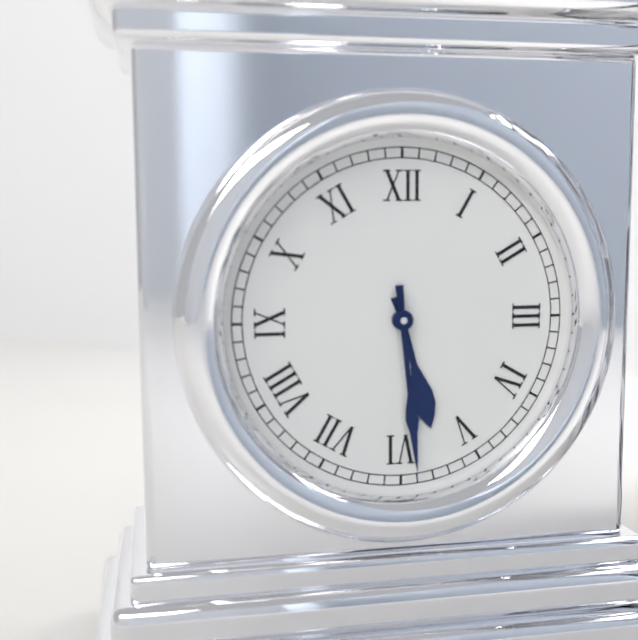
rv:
5 h 29 min
